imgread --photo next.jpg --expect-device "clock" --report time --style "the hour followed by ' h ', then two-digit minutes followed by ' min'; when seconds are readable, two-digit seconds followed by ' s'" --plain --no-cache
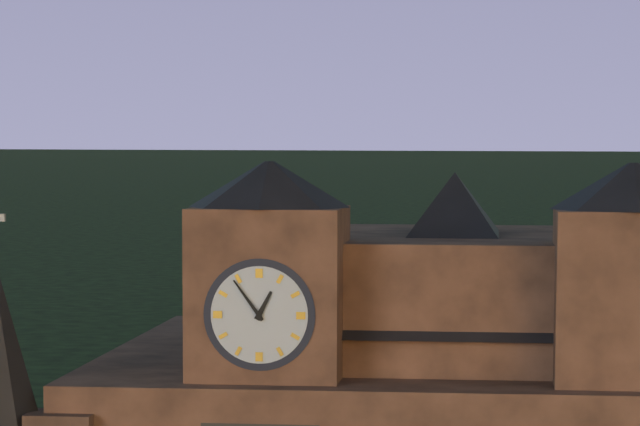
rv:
12 h 54 min
